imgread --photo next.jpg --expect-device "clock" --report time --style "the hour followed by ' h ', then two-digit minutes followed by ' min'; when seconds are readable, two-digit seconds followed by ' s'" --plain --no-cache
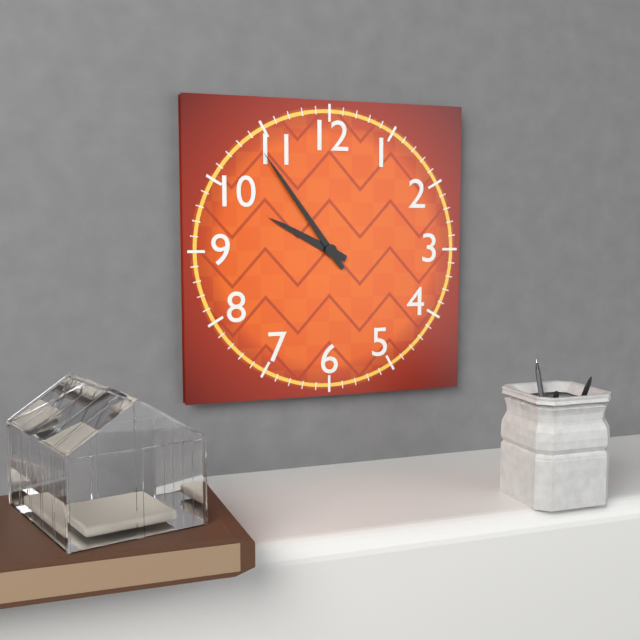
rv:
9 h 54 min
